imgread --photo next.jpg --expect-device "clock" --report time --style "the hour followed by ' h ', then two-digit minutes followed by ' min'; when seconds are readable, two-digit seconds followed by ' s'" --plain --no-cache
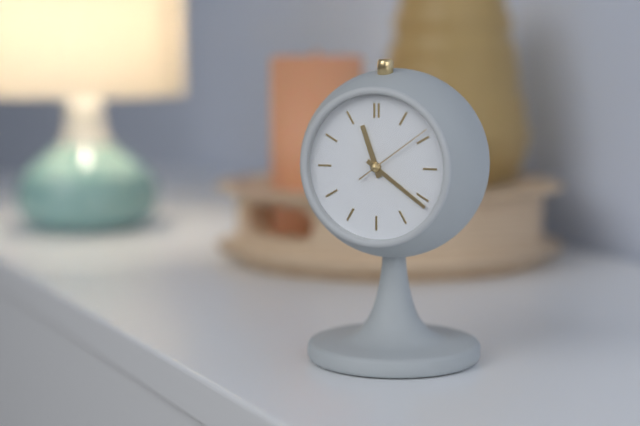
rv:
11 h 21 min 09 s
